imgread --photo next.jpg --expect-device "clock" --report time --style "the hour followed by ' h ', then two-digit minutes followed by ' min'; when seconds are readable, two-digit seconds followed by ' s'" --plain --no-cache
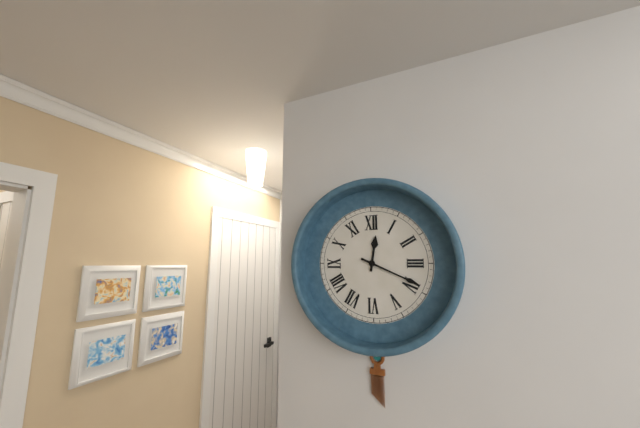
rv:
12 h 19 min
